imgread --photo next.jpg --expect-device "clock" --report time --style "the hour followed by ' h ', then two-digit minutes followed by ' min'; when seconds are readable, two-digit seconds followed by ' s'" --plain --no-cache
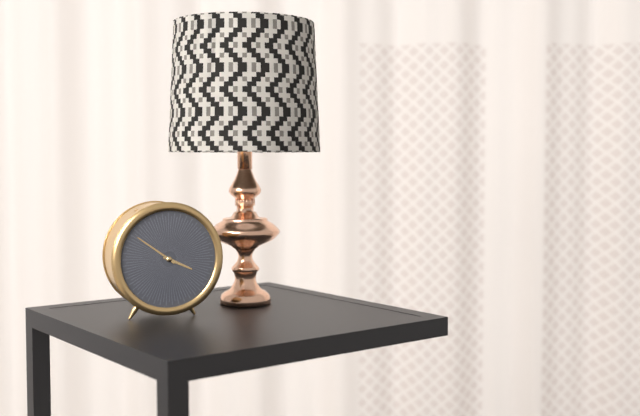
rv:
3 h 51 min
